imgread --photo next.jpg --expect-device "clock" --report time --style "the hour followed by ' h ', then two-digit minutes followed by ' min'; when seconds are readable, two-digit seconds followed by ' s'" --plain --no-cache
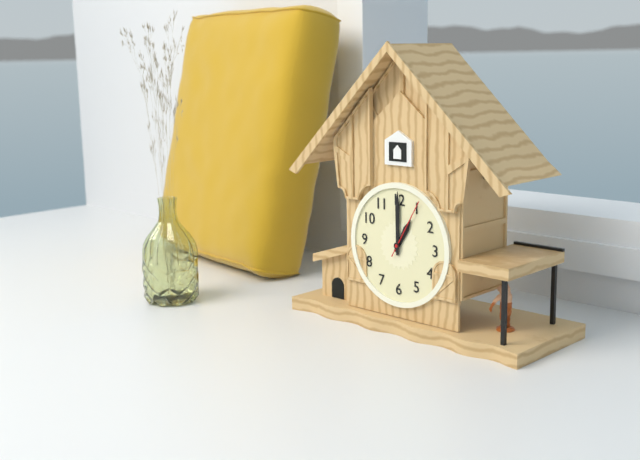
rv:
1 h 00 min 05 s
